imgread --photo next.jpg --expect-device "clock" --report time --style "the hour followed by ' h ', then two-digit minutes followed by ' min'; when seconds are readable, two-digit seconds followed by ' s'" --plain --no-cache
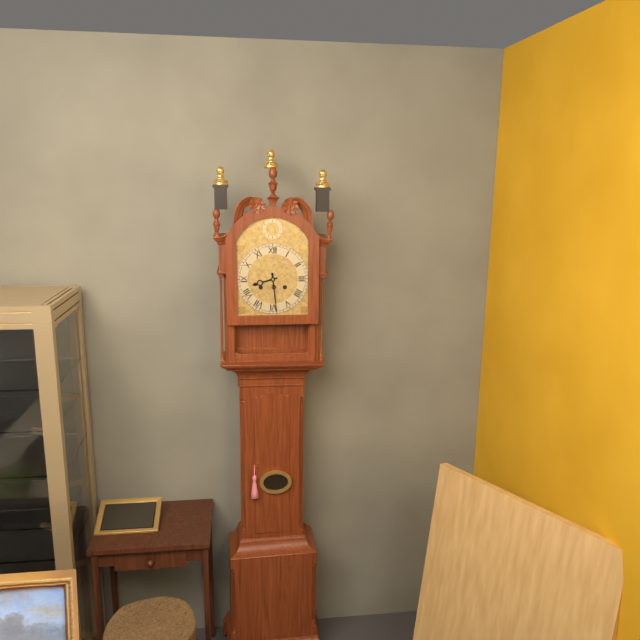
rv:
8 h 29 min
